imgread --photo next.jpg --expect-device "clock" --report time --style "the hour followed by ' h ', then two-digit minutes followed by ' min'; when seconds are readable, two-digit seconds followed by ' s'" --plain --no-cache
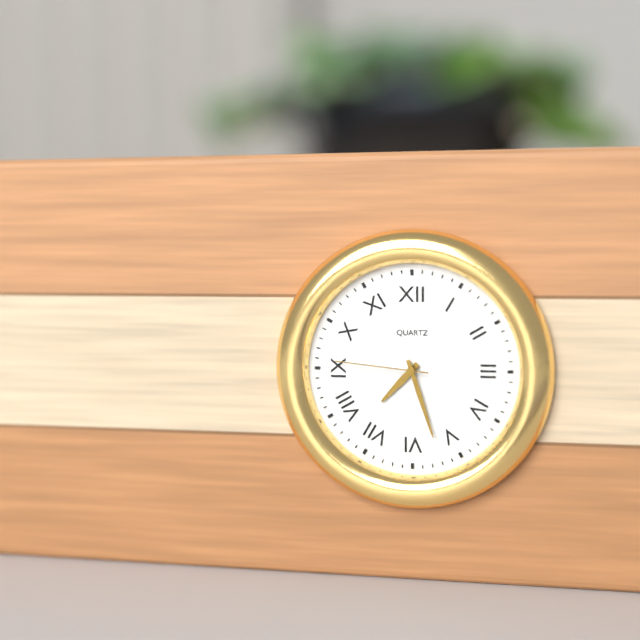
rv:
7 h 27 min 46 s
